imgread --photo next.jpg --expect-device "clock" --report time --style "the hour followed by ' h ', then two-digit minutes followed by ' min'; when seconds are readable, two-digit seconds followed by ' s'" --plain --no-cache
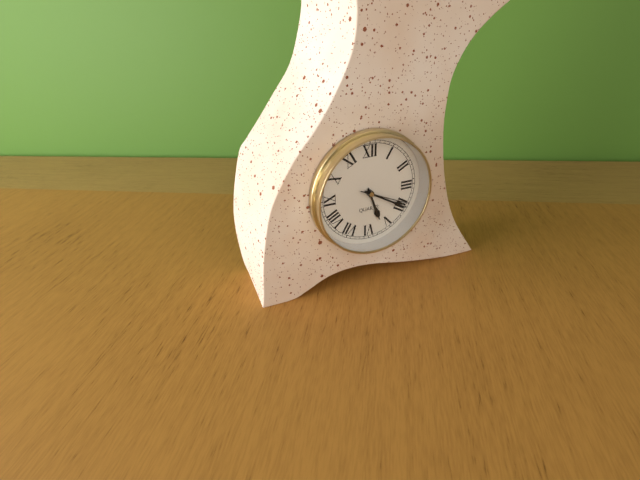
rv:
5 h 20 min 19 s
